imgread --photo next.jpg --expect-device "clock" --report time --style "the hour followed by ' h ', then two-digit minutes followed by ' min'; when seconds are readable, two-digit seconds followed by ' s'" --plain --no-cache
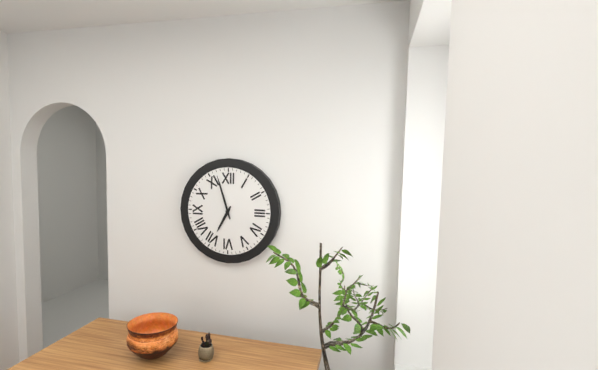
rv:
6 h 57 min
